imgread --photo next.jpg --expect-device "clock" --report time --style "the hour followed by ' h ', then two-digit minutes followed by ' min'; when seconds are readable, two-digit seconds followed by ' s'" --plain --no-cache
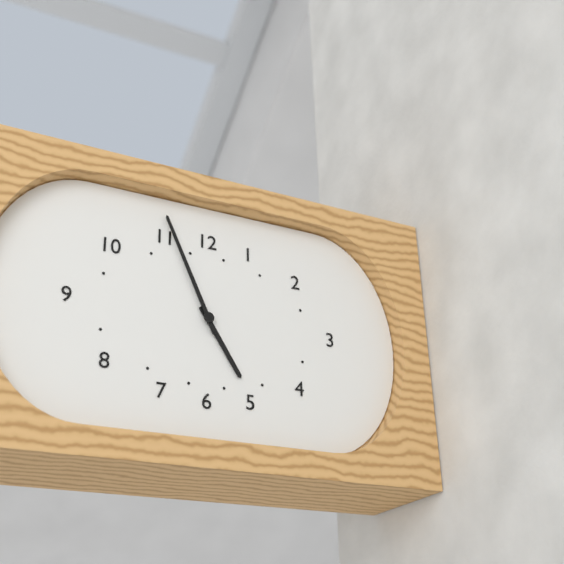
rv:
4 h 56 min
